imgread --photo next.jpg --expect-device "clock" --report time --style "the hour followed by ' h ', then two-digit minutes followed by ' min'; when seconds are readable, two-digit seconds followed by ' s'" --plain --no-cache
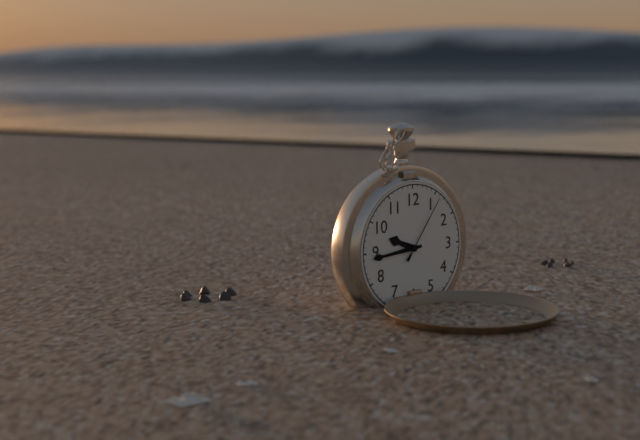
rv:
9 h 44 min 06 s
